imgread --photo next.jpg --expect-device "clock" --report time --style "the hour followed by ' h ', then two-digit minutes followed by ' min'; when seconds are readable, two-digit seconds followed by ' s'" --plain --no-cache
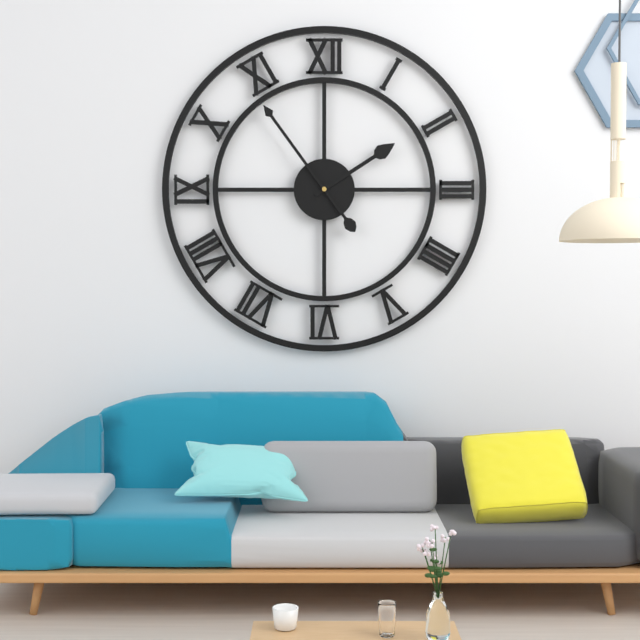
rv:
1 h 54 min
